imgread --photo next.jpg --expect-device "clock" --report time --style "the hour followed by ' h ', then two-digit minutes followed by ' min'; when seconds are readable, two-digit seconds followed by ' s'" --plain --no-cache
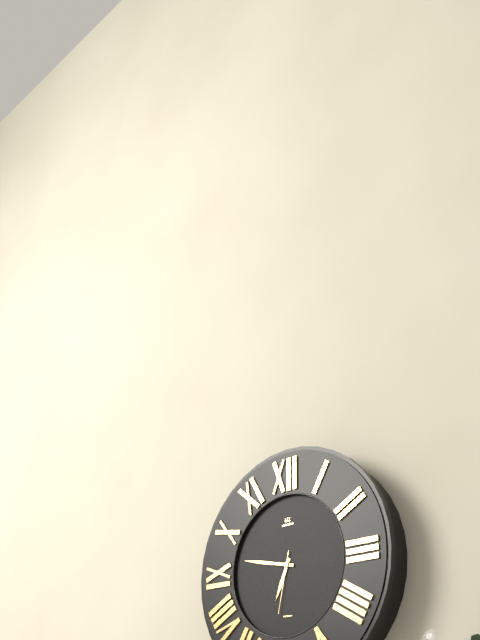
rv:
6 h 47 min 32 s
